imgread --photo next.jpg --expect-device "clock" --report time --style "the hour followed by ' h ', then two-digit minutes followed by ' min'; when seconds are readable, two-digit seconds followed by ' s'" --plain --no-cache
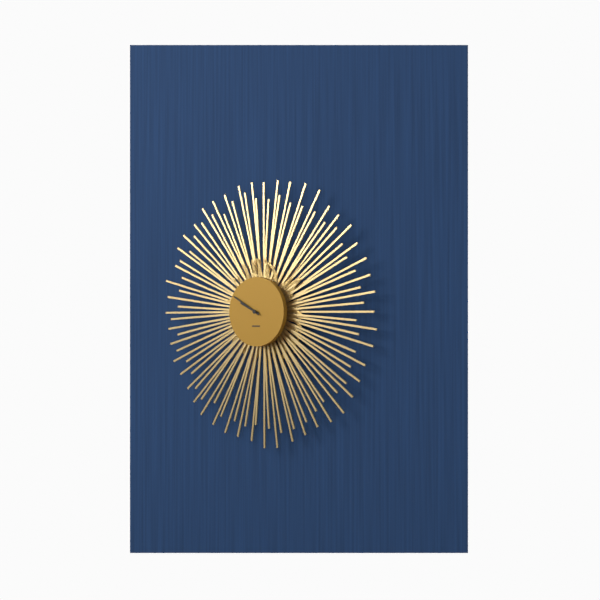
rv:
9 h 50 min
